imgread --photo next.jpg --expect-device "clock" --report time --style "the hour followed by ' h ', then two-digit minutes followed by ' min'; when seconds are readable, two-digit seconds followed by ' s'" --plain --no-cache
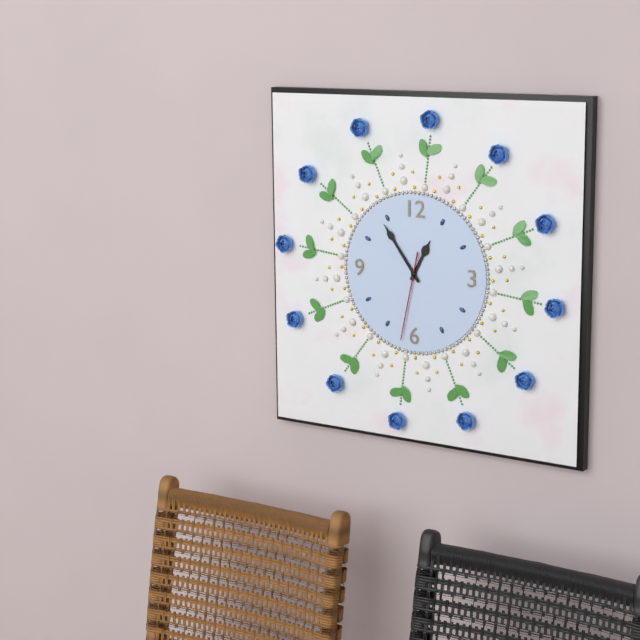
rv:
12 h 54 min 32 s
